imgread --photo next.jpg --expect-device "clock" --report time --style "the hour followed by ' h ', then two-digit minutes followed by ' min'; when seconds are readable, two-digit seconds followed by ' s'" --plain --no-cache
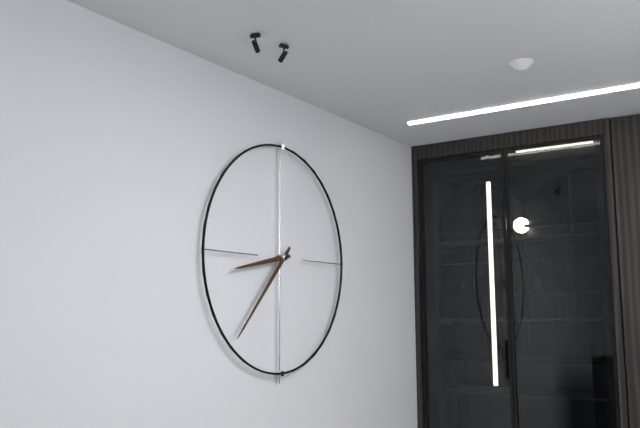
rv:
8 h 37 min
